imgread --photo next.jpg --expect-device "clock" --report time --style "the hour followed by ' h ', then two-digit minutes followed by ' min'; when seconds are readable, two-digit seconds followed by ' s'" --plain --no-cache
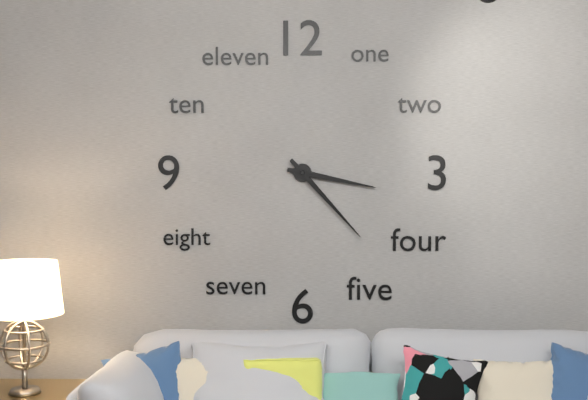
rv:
3 h 23 min
